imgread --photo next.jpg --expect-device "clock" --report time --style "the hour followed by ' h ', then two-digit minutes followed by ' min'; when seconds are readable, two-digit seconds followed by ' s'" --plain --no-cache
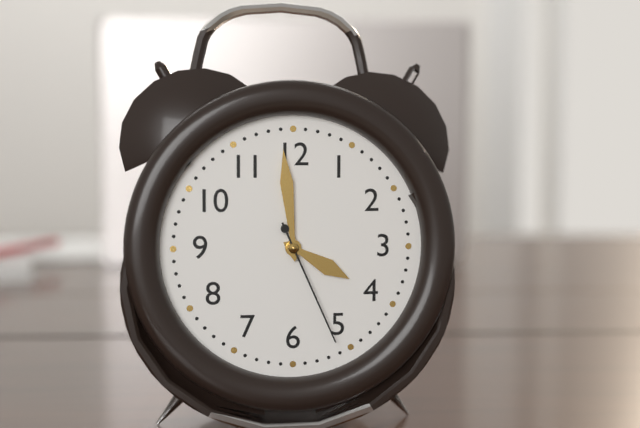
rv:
3 h 59 min 26 s
